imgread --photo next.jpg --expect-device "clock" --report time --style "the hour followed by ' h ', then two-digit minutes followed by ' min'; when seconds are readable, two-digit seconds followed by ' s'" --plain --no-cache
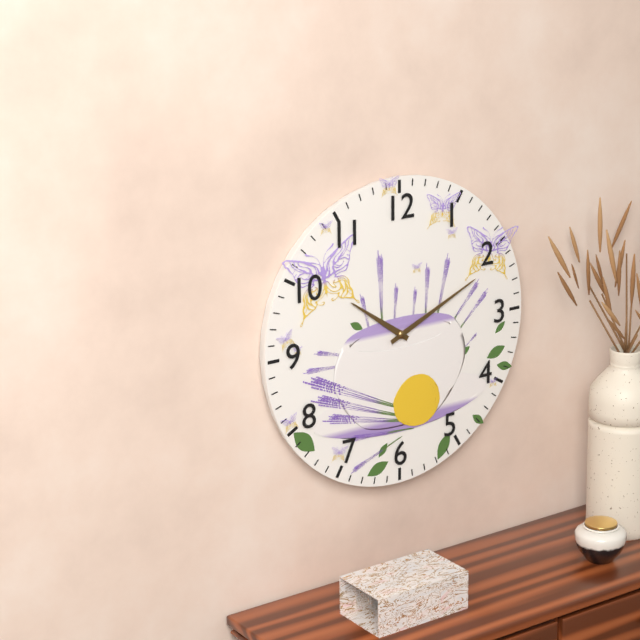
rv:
10 h 11 min
